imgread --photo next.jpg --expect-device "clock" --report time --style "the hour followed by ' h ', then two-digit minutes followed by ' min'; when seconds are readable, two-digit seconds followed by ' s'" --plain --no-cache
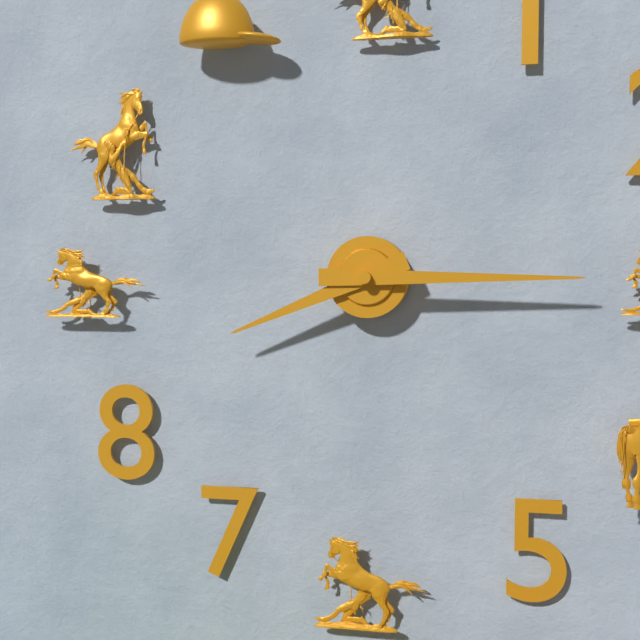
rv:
8 h 15 min
